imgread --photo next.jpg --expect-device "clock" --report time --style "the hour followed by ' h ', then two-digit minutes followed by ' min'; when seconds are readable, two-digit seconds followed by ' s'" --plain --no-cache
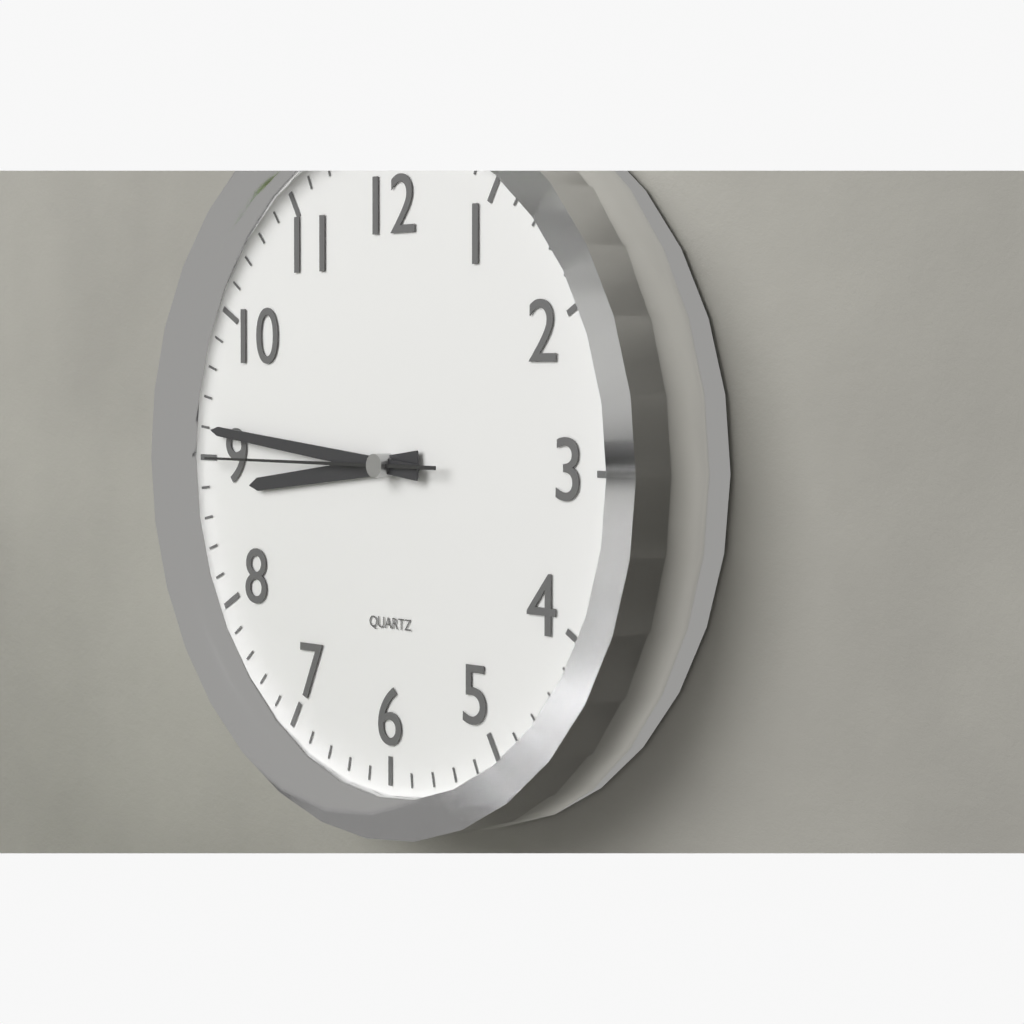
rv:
8 h 46 min 45 s
